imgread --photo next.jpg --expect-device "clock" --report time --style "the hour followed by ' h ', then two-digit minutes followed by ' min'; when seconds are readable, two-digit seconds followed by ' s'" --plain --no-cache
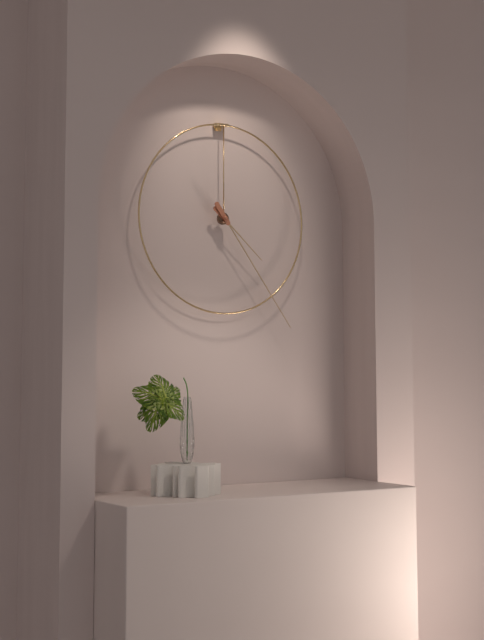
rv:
4 h 24 min
